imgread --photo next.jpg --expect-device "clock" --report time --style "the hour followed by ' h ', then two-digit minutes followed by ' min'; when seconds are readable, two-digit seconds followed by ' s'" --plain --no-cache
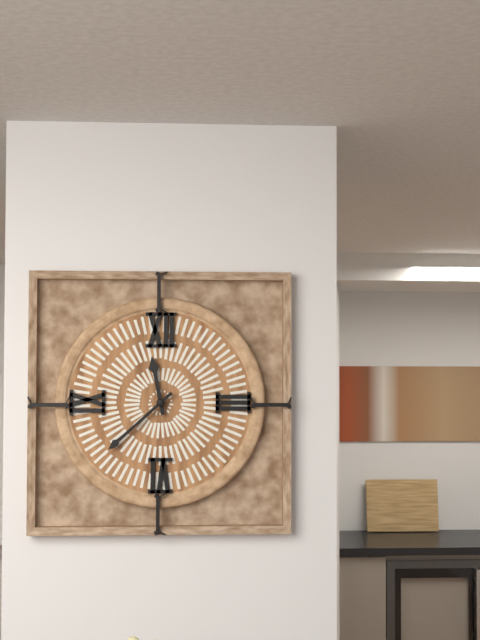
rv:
11 h 38 min
